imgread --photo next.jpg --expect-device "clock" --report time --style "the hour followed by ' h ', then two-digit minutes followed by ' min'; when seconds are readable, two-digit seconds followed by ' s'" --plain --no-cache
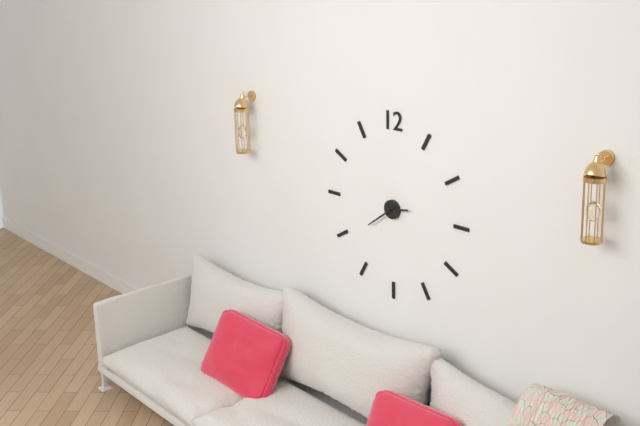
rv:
2 h 39 min
